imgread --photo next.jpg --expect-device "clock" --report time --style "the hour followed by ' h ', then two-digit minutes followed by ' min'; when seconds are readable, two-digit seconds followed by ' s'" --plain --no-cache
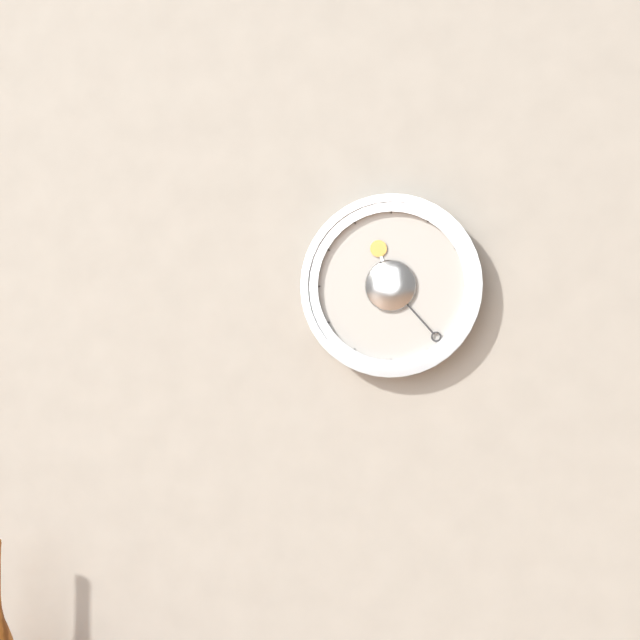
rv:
11 h 23 min
